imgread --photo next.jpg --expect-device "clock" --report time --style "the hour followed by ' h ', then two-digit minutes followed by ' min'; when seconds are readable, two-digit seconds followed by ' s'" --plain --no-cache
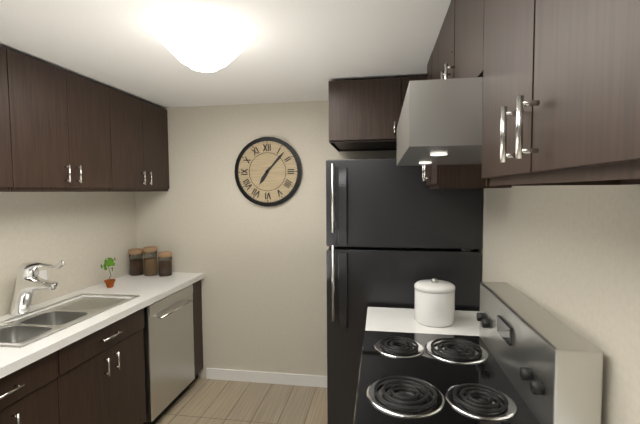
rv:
7 h 07 min
